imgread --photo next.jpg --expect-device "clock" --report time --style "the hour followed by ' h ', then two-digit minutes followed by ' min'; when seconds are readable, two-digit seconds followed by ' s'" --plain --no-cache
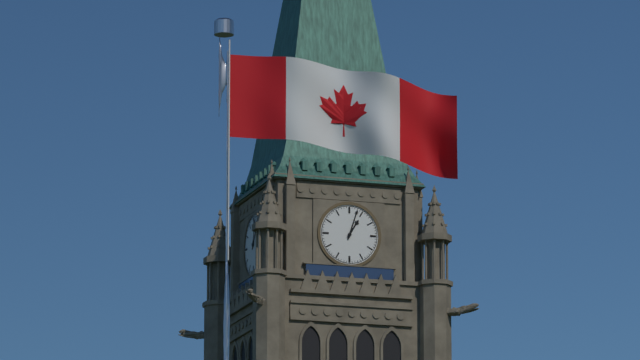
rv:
1 h 03 min
